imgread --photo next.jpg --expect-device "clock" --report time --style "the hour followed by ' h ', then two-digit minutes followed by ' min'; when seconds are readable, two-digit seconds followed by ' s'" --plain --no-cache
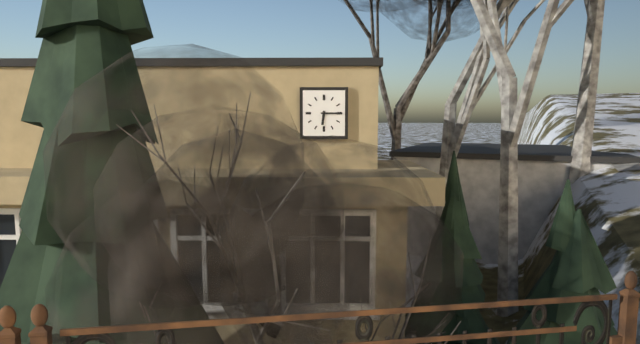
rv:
6 h 15 min
